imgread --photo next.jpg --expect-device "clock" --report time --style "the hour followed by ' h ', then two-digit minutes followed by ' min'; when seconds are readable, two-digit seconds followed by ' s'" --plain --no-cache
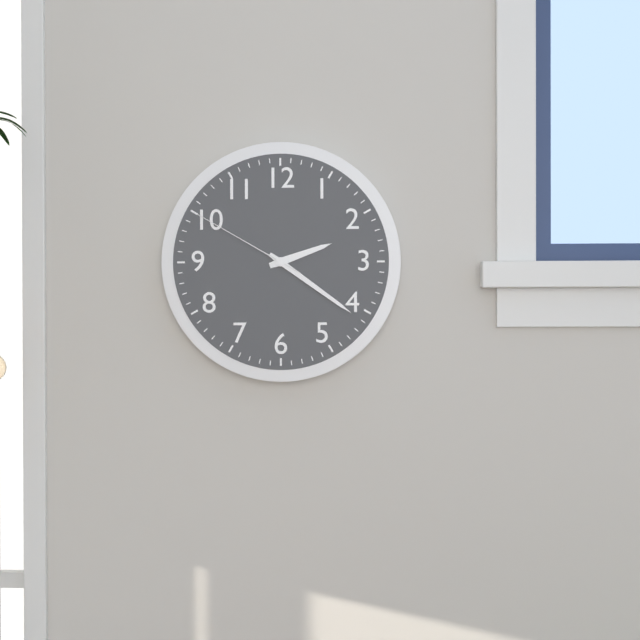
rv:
2 h 21 min 50 s
